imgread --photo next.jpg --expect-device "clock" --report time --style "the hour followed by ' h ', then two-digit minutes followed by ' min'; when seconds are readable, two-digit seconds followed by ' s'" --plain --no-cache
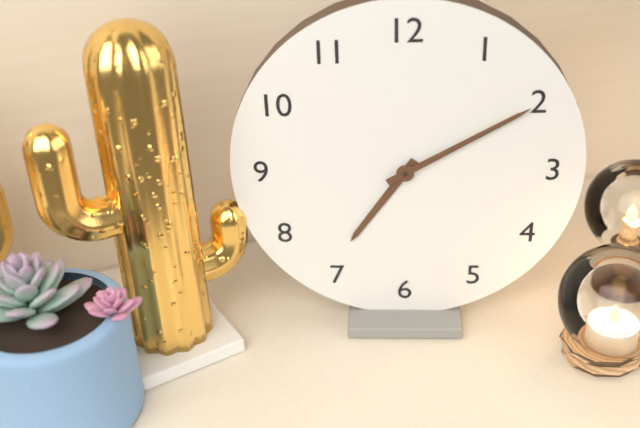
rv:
7 h 10 min
